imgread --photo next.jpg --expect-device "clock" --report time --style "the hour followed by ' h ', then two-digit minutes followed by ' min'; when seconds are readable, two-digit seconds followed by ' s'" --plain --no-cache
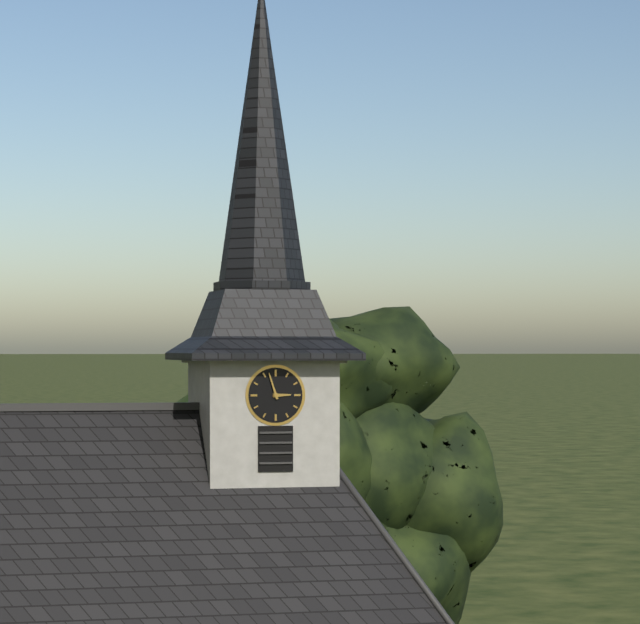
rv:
2 h 57 min
